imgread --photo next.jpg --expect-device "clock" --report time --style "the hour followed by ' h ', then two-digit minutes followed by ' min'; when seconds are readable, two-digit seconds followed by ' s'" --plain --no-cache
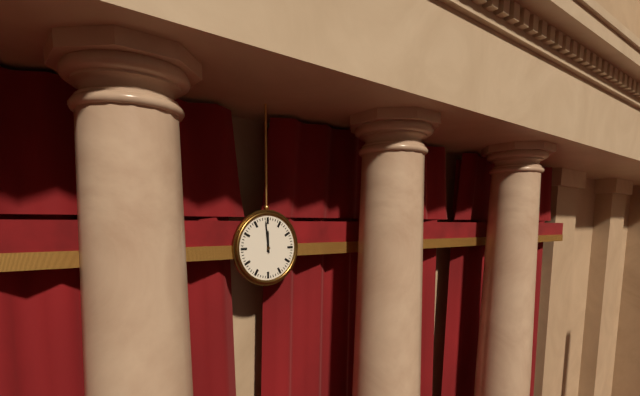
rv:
11 h 59 min
